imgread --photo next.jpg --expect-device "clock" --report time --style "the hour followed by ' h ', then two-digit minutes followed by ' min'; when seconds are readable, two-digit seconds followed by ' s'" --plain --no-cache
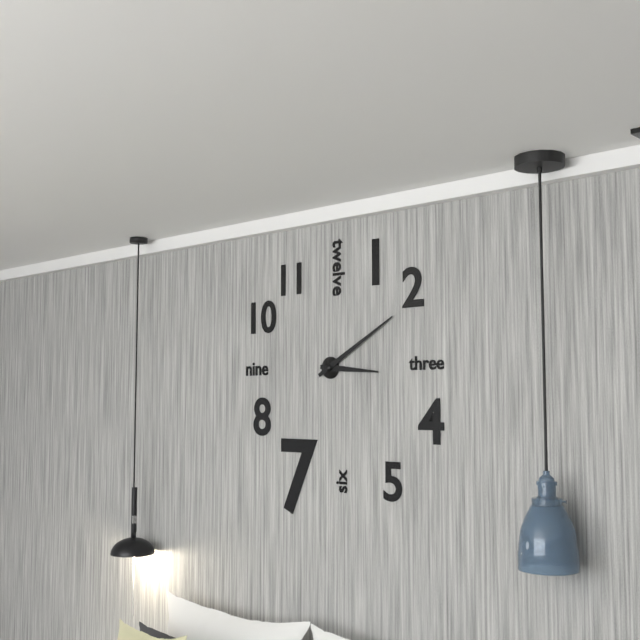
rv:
3 h 10 min
